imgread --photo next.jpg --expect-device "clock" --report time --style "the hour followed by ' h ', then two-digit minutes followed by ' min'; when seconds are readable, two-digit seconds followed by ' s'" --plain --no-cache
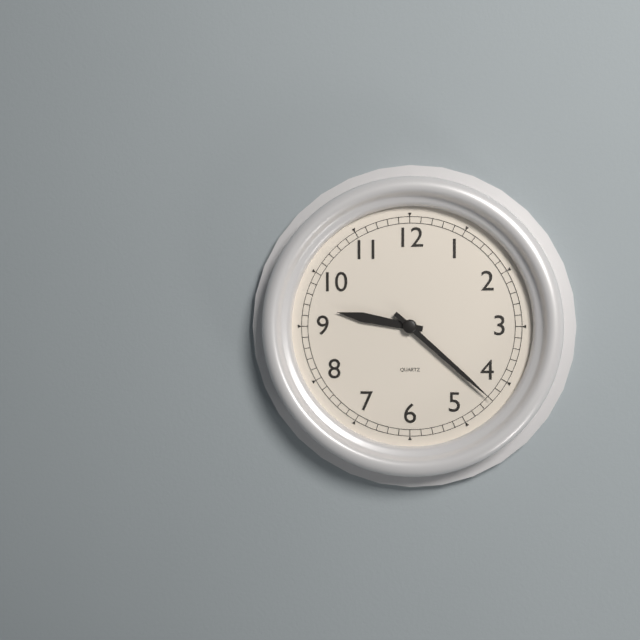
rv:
9 h 22 min
